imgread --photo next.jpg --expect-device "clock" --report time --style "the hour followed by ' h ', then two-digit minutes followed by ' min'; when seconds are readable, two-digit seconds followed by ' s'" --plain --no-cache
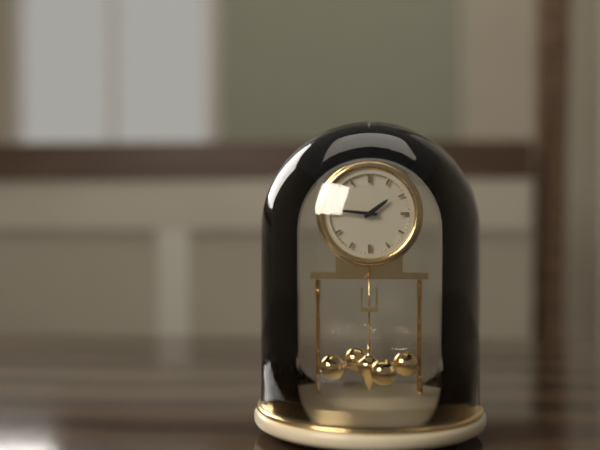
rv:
1 h 46 min
